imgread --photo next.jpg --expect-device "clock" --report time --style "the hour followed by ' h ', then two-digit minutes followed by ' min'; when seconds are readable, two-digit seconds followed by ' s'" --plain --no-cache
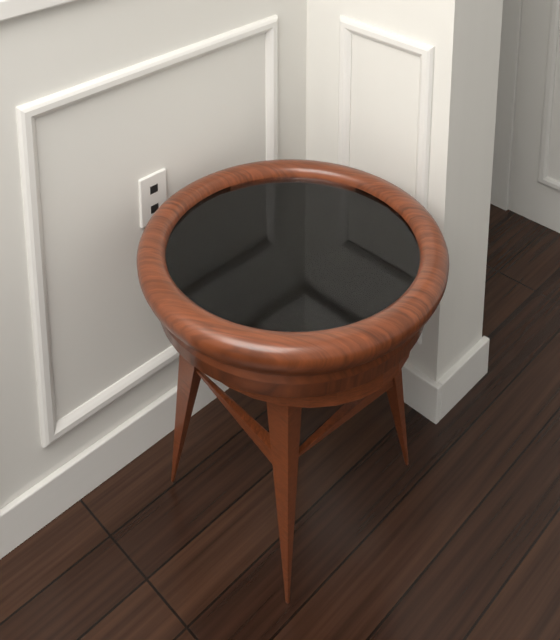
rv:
10 h 44 min
